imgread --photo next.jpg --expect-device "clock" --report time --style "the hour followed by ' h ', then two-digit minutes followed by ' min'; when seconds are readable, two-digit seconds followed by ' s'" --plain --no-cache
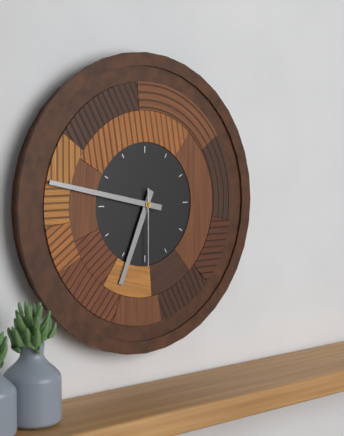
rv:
6 h 47 min 30 s
